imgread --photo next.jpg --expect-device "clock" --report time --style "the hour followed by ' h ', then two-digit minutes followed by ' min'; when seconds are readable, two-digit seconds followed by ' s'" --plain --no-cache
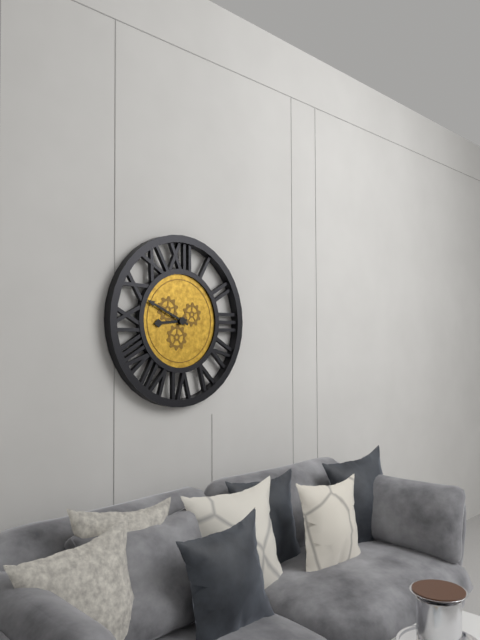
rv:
8 h 49 min
